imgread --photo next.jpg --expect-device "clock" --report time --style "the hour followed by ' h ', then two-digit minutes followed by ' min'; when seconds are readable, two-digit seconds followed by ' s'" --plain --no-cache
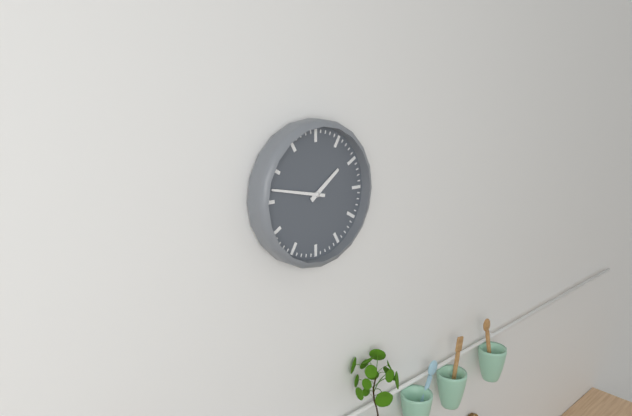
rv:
1 h 47 min
